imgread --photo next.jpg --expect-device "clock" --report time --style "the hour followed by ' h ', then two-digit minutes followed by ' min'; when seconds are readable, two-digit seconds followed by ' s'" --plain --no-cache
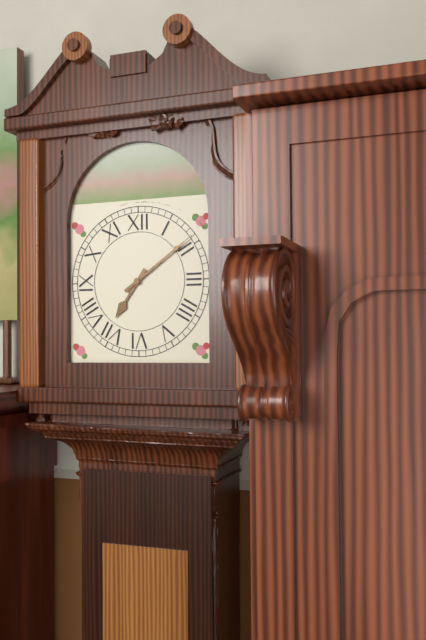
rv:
7 h 09 min
